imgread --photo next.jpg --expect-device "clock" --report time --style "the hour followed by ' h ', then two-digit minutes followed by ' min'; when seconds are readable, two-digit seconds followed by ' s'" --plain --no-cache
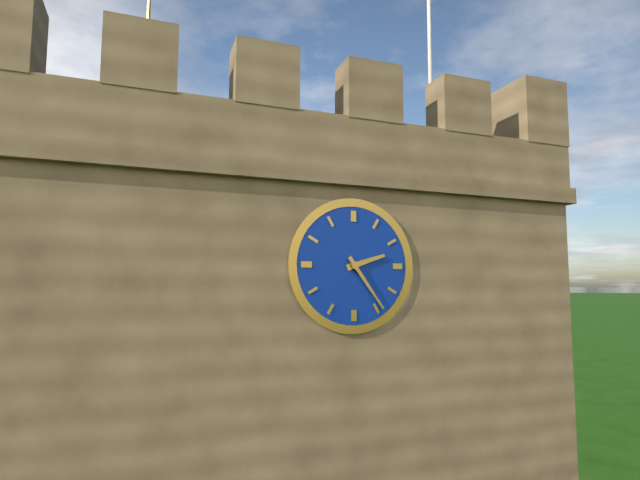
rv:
2 h 24 min
